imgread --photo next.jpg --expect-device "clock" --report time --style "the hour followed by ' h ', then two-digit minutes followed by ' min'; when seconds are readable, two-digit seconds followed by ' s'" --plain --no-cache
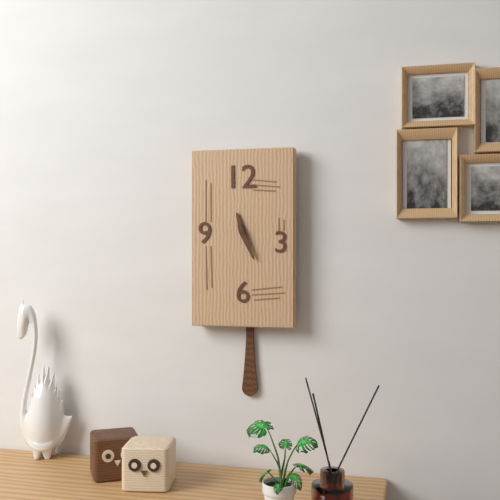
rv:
11 h 26 min
